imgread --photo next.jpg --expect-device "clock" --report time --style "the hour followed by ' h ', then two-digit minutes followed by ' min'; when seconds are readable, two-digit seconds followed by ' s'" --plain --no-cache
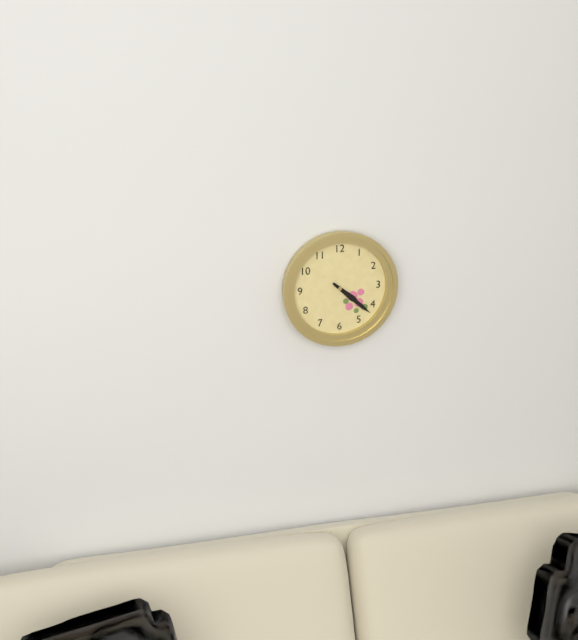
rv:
4 h 22 min
